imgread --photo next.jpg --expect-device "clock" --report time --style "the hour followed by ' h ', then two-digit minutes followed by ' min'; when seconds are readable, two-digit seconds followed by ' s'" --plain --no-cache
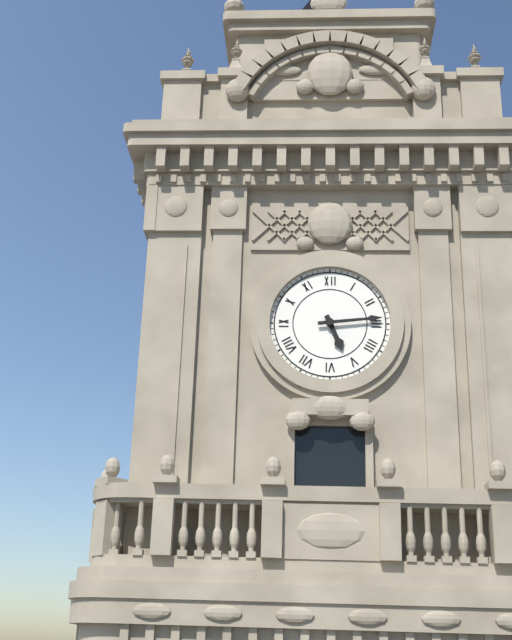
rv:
5 h 14 min
